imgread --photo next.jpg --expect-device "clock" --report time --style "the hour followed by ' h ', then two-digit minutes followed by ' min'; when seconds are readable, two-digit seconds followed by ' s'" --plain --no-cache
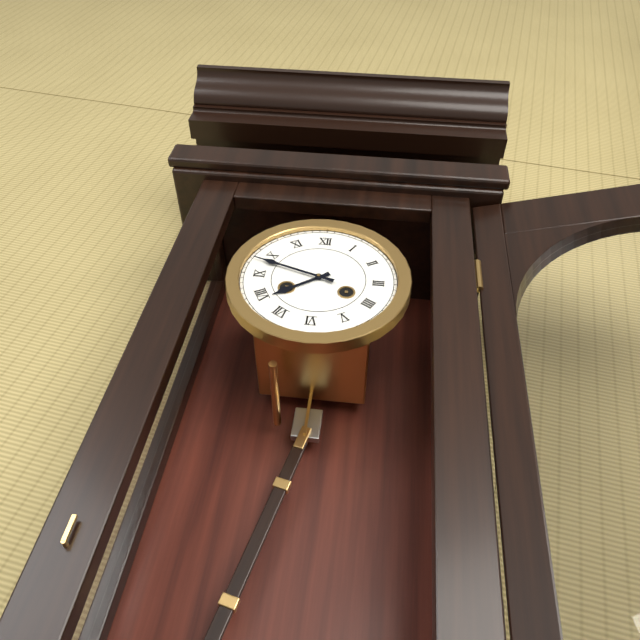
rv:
7 h 48 min
